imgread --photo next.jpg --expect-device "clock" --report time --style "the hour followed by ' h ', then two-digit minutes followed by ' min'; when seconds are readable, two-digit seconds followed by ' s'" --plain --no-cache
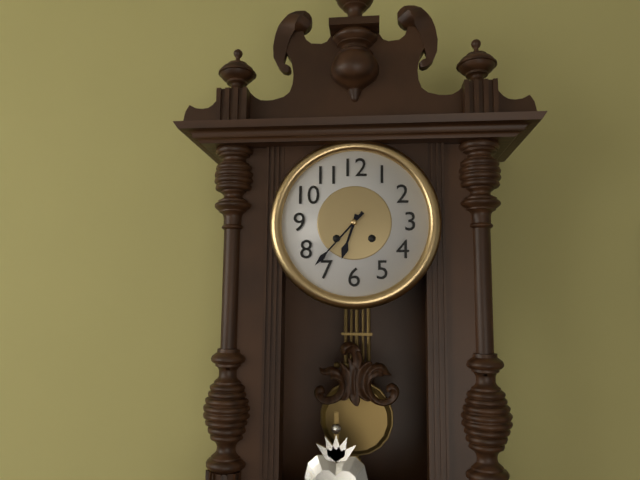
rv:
6 h 37 min
